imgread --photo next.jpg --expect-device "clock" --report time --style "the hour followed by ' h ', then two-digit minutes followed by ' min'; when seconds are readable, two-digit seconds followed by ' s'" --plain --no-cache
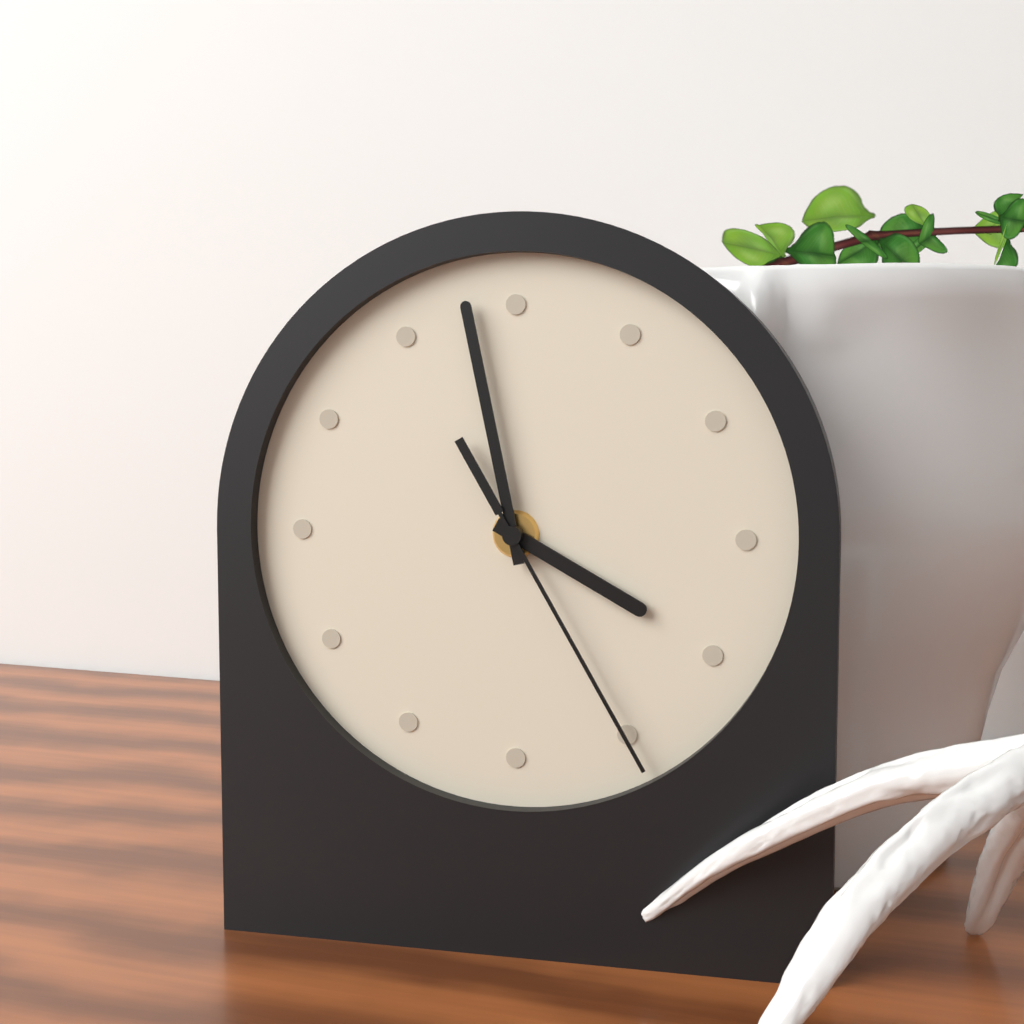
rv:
3 h 58 min 25 s
